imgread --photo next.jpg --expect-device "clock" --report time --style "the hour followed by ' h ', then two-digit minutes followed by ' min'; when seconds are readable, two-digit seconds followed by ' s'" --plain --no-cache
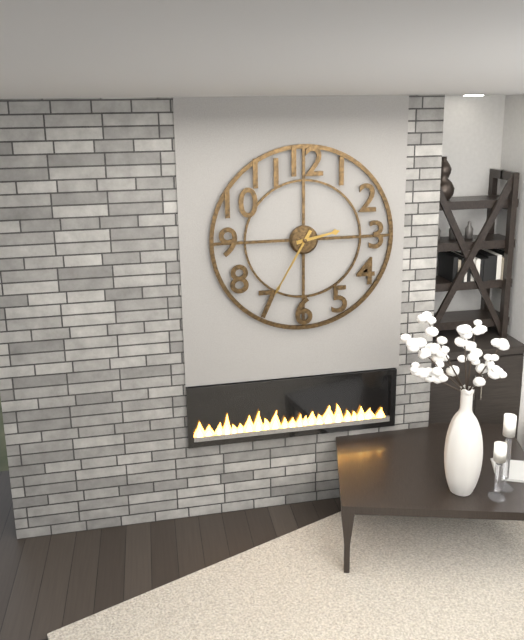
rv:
2 h 35 min
